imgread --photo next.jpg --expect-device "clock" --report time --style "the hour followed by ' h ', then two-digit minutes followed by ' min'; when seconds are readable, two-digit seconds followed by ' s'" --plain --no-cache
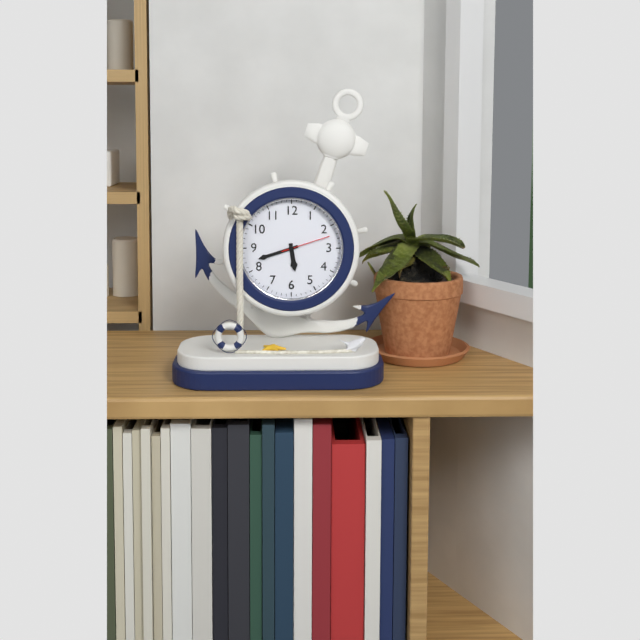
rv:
5 h 42 min 12 s
